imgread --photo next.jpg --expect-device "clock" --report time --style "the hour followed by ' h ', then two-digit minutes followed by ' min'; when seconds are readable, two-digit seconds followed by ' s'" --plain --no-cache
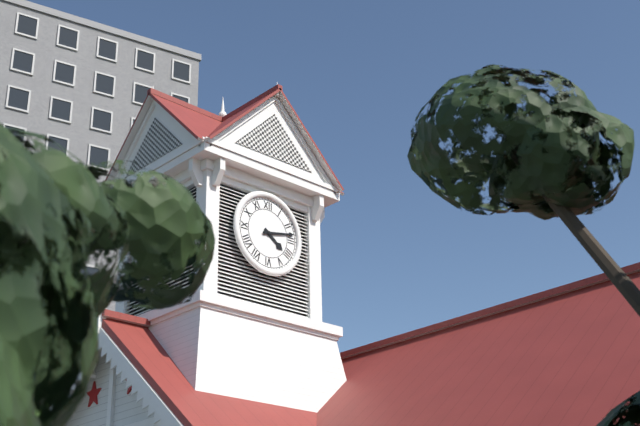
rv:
4 h 13 min
